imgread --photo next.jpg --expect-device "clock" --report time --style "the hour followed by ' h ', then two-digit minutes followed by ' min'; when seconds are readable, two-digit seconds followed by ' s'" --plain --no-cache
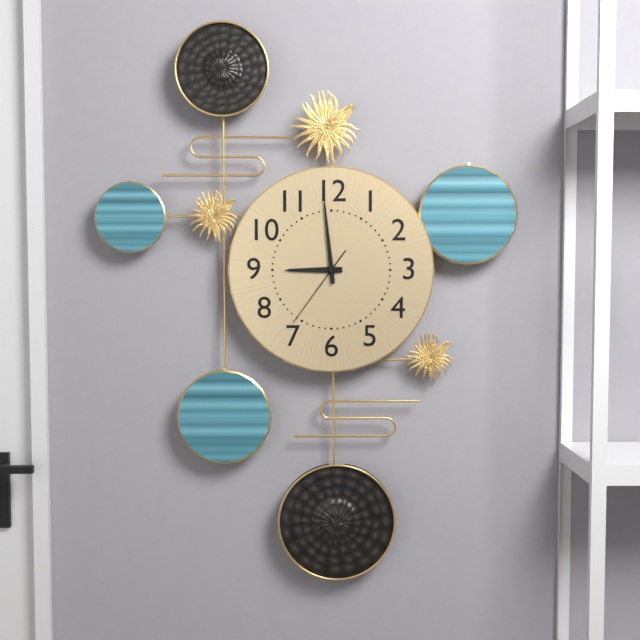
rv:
8 h 59 min 36 s
